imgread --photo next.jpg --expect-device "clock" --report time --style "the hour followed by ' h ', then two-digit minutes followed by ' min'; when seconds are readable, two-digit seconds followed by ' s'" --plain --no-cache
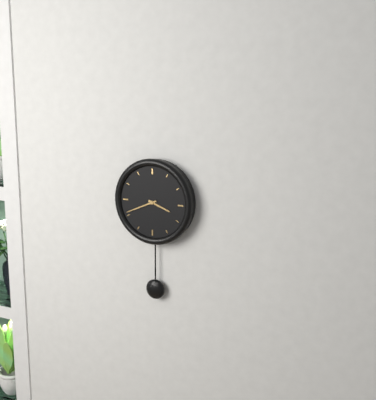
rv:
3 h 41 min
